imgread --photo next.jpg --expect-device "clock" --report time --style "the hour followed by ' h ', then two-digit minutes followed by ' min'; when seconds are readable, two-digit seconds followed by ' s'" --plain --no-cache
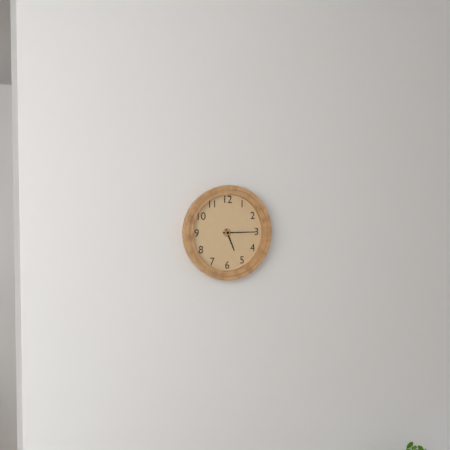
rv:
5 h 15 min
